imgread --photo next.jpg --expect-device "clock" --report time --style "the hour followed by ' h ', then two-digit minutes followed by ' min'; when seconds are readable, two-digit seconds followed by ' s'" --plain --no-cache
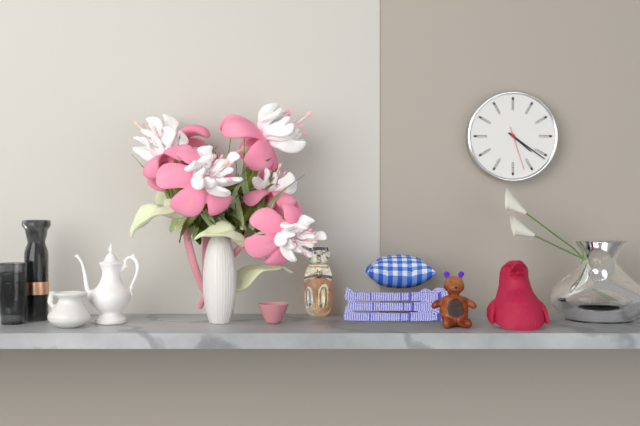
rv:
4 h 21 min
